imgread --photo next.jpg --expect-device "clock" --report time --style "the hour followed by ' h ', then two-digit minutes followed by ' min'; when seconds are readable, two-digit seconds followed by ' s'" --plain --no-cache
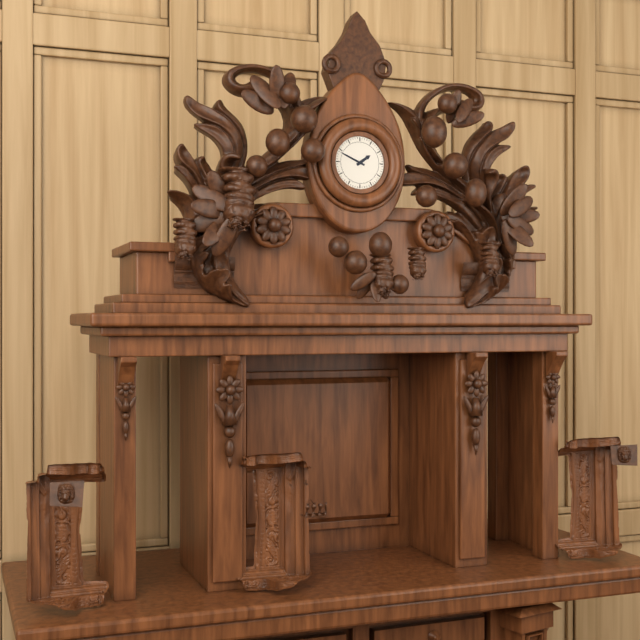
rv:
1 h 49 min
